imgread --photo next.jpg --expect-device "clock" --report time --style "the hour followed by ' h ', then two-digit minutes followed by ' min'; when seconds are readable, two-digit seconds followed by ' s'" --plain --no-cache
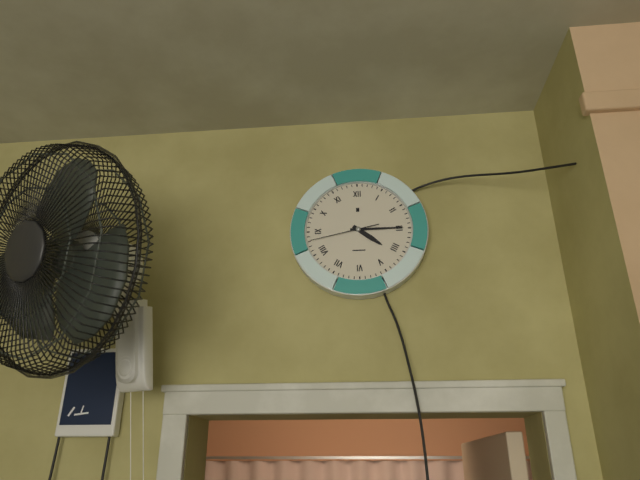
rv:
4 h 15 min 43 s
